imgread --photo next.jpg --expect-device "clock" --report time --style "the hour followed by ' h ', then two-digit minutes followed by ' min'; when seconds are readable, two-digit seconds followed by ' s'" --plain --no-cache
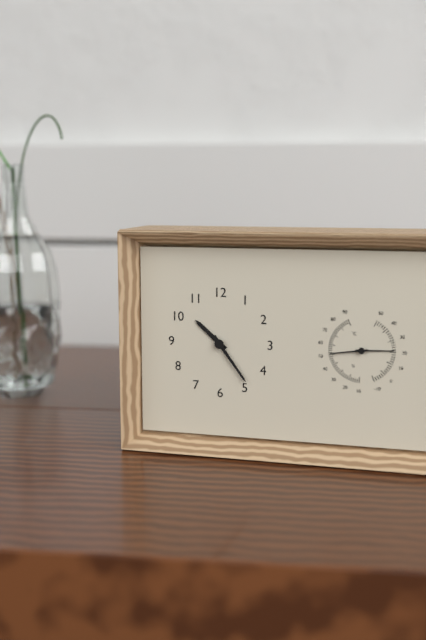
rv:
10 h 24 min
